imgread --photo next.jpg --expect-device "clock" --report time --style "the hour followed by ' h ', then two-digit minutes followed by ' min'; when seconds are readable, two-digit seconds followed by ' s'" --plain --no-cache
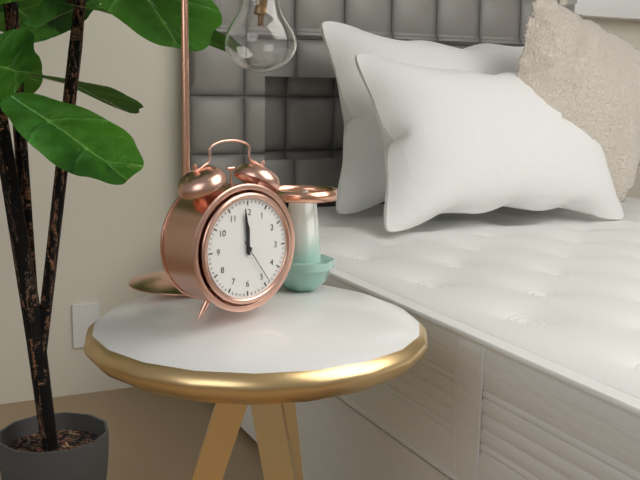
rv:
11 h 59 min
